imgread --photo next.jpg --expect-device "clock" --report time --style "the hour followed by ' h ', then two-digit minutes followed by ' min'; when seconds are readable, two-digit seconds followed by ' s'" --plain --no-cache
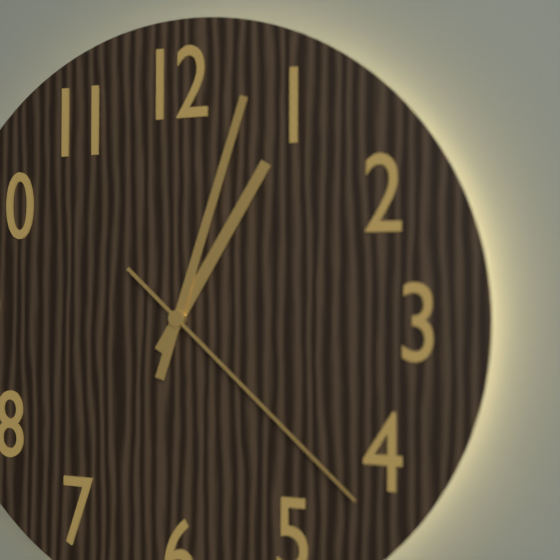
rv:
1 h 03 min 22 s
